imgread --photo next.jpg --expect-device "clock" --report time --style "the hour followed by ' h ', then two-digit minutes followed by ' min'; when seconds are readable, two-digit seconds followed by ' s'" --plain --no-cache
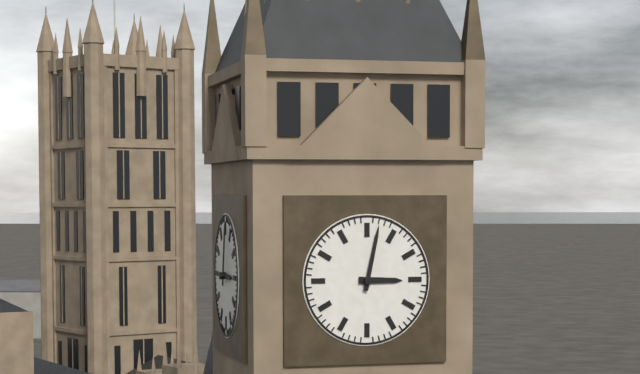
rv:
3 h 02 min
